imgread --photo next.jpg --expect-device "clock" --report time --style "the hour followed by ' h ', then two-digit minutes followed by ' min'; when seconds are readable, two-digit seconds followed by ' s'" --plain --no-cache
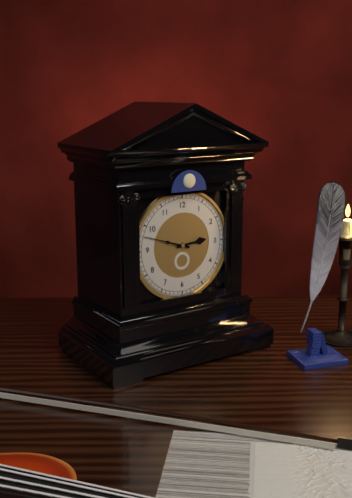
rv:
2 h 48 min
